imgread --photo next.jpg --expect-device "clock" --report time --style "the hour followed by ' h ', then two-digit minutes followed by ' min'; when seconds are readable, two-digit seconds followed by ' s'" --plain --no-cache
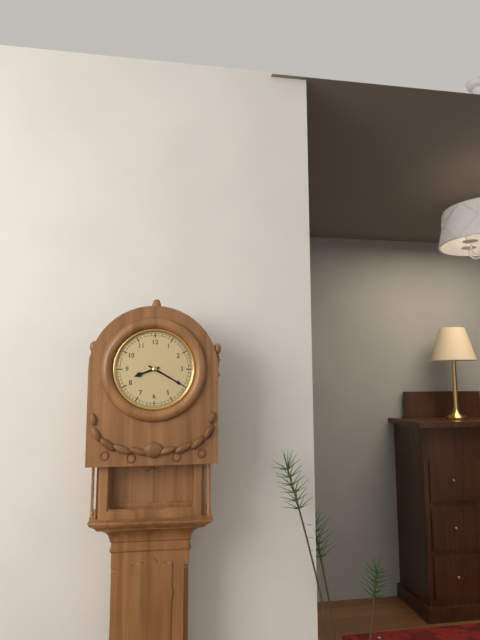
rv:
8 h 20 min
